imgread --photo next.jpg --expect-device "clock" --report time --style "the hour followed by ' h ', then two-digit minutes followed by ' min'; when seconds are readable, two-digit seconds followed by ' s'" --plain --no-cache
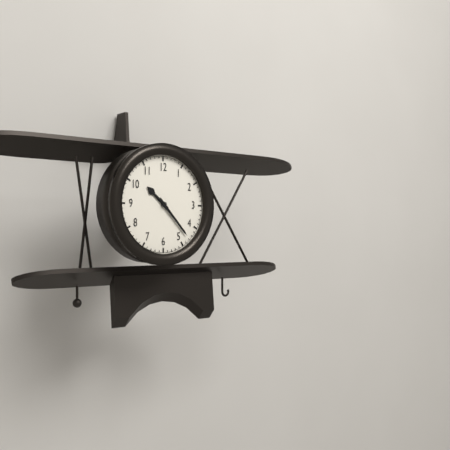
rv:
10 h 23 min
